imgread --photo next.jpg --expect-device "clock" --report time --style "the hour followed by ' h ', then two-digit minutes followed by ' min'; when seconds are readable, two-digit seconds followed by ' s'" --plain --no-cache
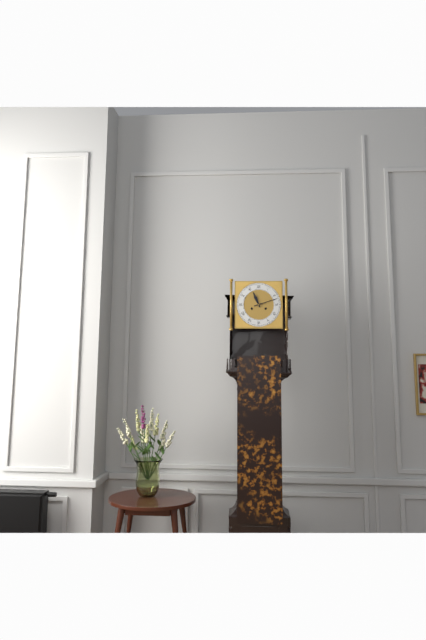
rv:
11 h 12 min
